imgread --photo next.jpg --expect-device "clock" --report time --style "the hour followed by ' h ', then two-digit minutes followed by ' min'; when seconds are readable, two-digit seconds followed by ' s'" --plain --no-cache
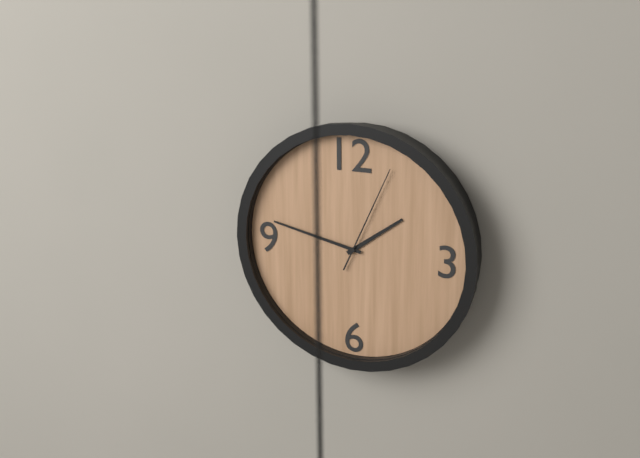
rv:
1 h 47 min 04 s
